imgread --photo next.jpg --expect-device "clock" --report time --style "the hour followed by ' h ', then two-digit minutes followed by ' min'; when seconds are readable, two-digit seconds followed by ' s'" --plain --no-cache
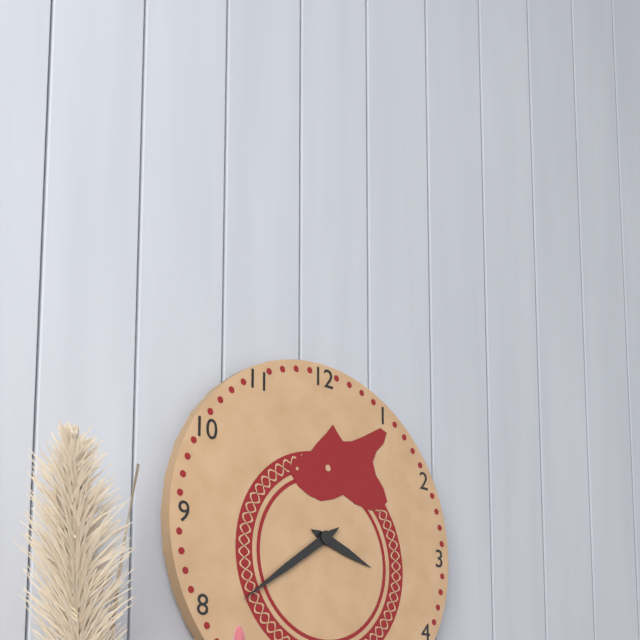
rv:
3 h 39 min
